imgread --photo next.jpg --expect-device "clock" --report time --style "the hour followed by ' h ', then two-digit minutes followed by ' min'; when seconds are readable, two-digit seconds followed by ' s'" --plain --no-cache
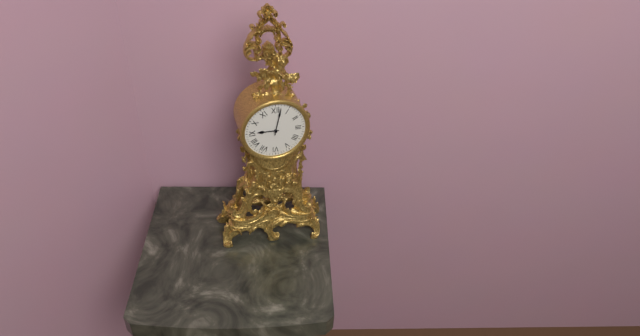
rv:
9 h 02 min
